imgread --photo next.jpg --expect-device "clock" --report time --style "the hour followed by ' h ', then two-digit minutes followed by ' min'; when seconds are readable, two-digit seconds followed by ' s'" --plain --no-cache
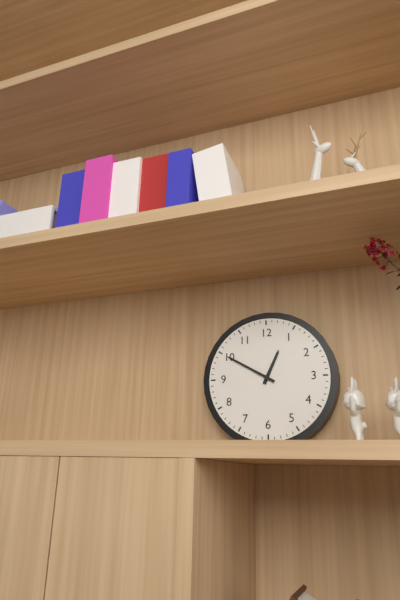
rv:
12 h 50 min
